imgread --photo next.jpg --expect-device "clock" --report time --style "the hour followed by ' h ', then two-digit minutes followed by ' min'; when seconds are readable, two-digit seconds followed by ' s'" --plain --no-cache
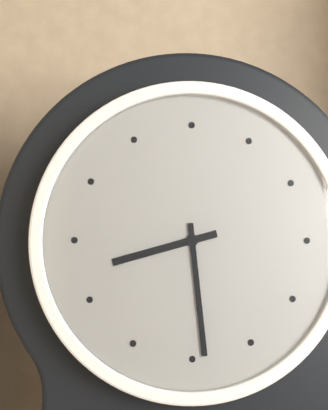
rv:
8 h 29 min
